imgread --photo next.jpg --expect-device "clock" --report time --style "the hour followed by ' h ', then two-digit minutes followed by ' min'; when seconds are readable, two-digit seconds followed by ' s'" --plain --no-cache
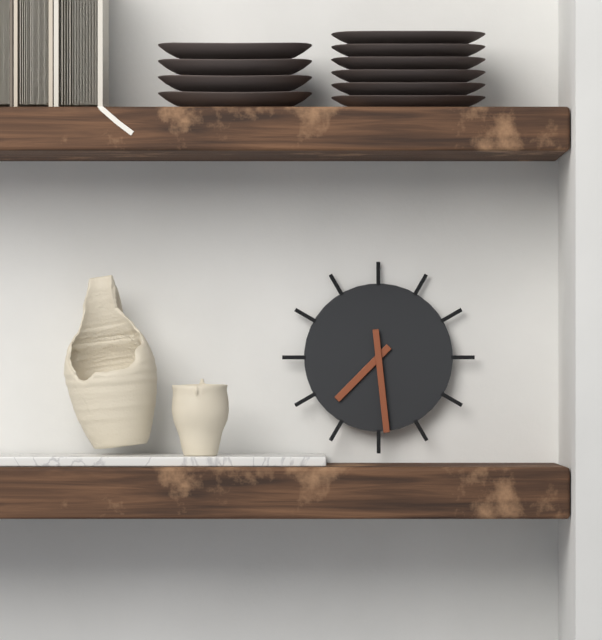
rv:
7 h 29 min
